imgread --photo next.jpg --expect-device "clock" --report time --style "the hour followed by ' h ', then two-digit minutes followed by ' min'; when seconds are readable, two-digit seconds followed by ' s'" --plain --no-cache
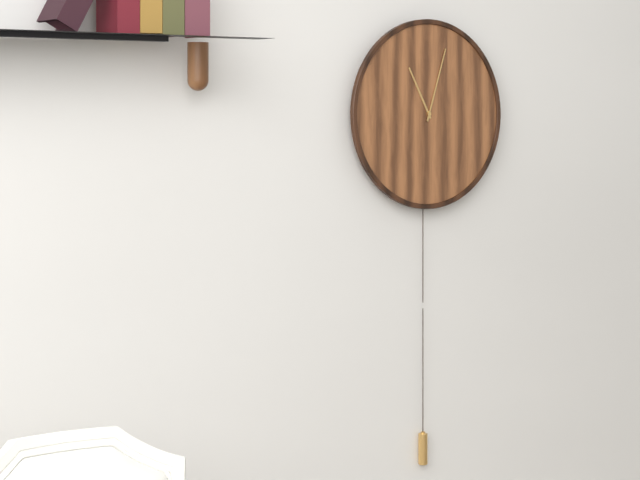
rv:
11 h 03 min
